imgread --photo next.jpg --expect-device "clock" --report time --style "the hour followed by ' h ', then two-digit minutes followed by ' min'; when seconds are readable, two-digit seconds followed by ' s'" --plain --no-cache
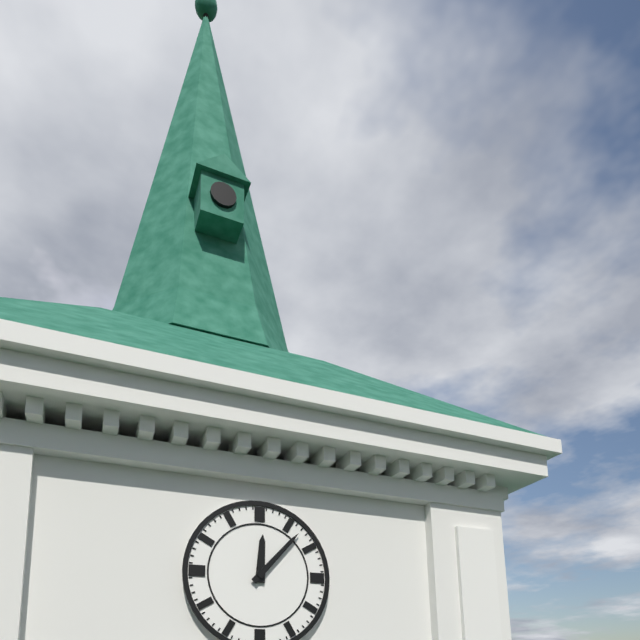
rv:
12 h 07 min
